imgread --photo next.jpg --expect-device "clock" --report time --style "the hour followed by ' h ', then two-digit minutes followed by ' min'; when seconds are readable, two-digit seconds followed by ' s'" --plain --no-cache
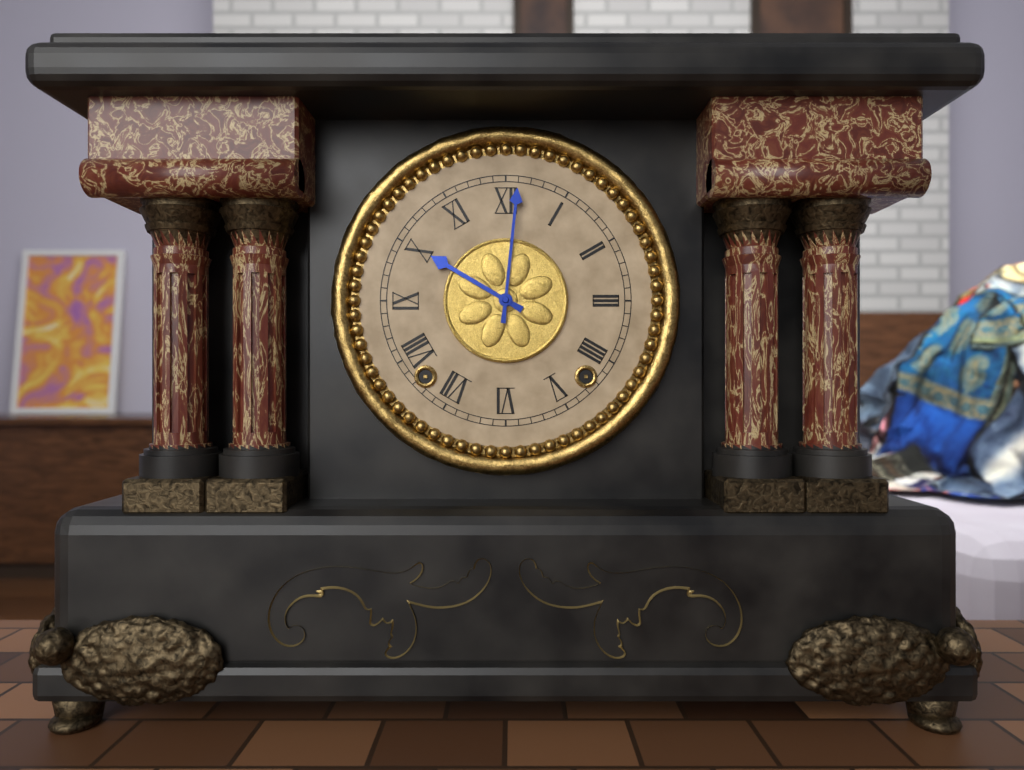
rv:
10 h 01 min
